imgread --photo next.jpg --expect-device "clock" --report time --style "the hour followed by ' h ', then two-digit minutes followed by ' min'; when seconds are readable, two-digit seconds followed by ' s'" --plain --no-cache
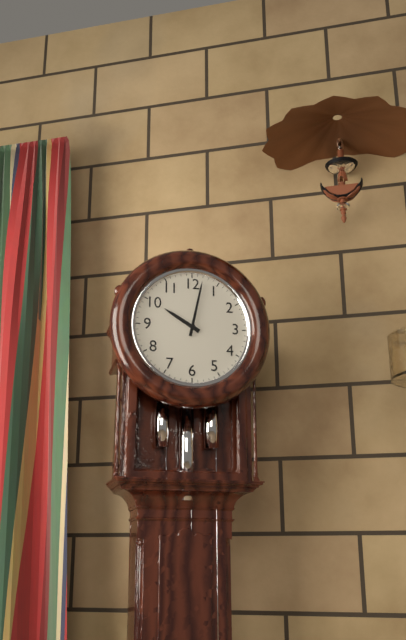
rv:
10 h 02 min
